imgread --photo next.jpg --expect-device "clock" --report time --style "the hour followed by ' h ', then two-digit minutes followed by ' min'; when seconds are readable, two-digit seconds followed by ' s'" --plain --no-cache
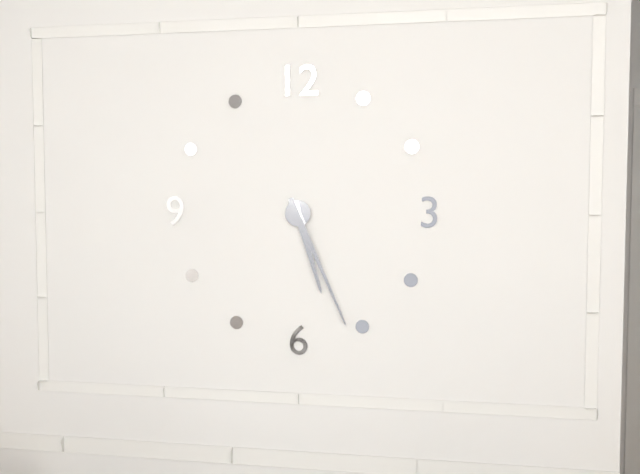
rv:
5 h 26 min
